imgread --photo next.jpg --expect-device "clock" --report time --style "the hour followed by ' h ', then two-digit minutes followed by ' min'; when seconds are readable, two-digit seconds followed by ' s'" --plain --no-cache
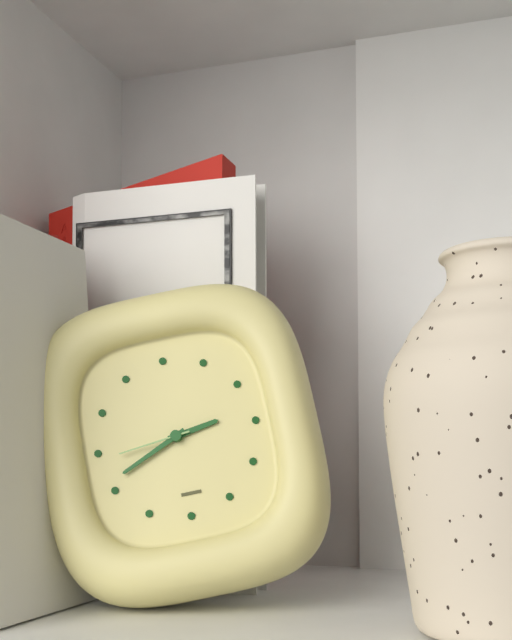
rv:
2 h 41 min 44 s
